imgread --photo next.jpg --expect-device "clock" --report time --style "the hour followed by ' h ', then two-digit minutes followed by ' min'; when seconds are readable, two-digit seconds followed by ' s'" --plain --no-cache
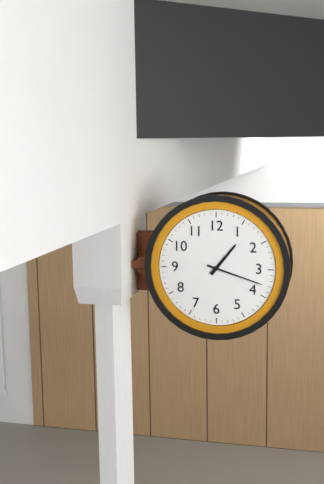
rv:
1 h 18 min
